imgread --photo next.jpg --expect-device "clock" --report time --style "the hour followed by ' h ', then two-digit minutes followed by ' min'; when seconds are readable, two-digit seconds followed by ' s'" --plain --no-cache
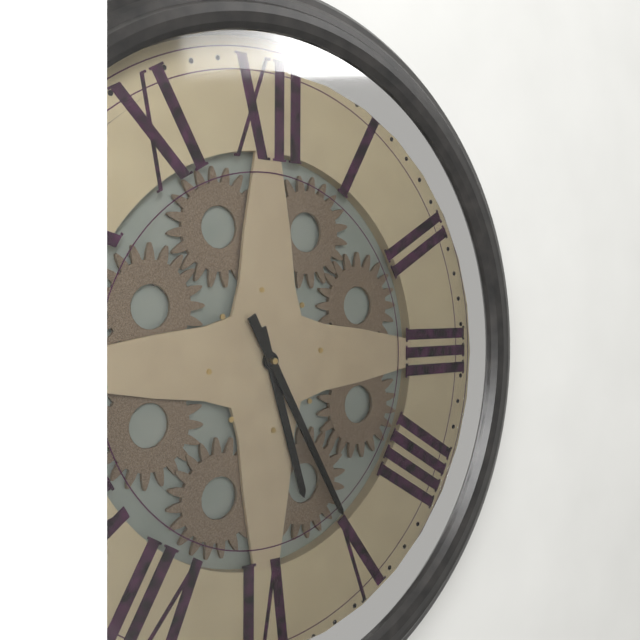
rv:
5 h 25 min
